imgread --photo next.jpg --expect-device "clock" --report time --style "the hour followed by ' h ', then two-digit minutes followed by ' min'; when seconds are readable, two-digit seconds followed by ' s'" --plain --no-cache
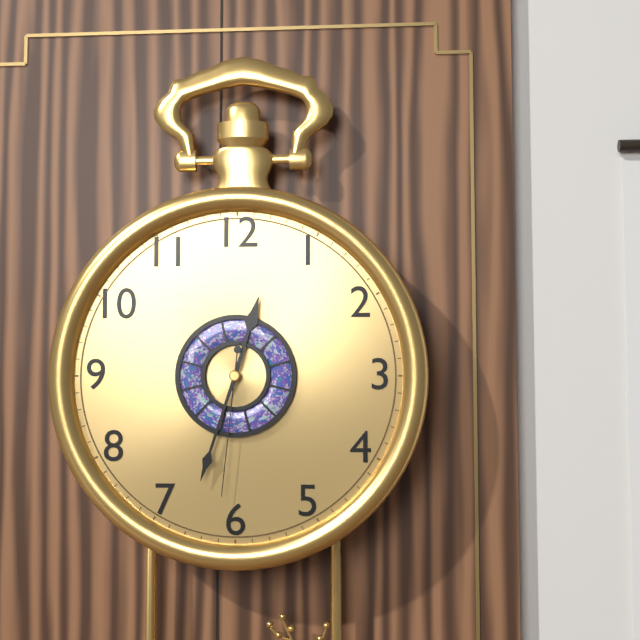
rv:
12 h 33 min 31 s
